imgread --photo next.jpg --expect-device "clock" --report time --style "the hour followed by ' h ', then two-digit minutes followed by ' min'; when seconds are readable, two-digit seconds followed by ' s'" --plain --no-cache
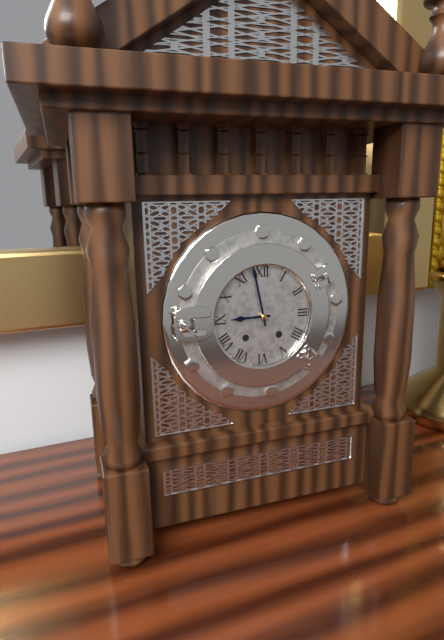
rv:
8 h 58 min
